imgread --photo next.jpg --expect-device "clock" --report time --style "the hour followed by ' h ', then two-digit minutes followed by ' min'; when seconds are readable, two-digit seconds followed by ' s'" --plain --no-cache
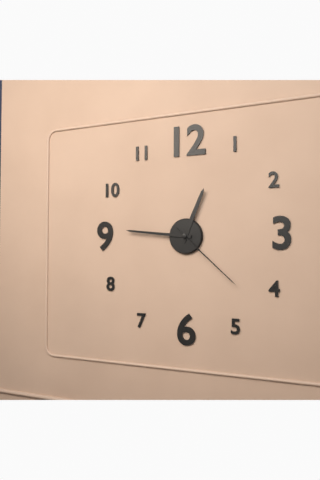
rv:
12 h 46 min 22 s
